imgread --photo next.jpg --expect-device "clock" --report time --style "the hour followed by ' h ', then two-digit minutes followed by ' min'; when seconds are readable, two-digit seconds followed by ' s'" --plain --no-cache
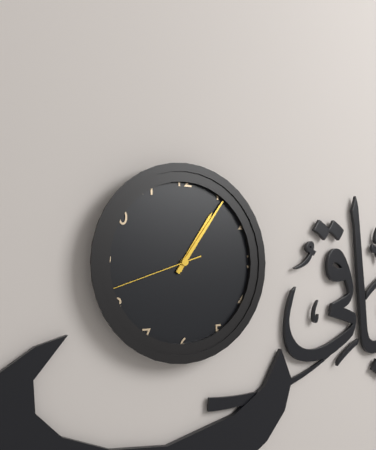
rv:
1 h 06 min 42 s
